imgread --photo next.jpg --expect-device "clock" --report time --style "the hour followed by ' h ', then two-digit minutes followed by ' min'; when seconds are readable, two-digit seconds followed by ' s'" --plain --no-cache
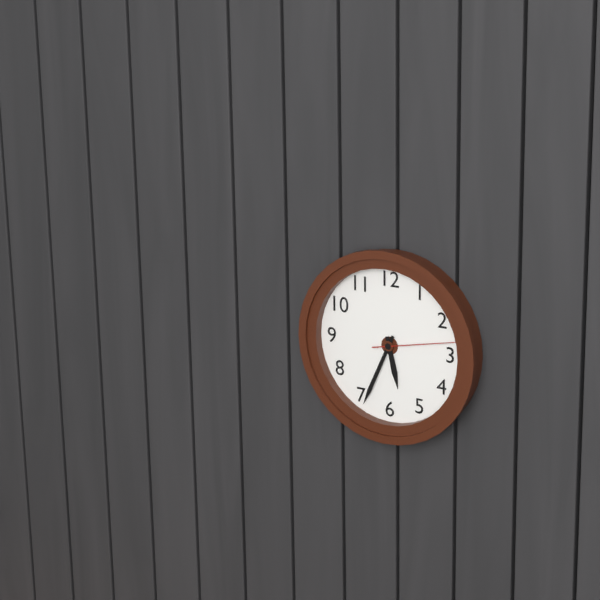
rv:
5 h 34 min 13 s
